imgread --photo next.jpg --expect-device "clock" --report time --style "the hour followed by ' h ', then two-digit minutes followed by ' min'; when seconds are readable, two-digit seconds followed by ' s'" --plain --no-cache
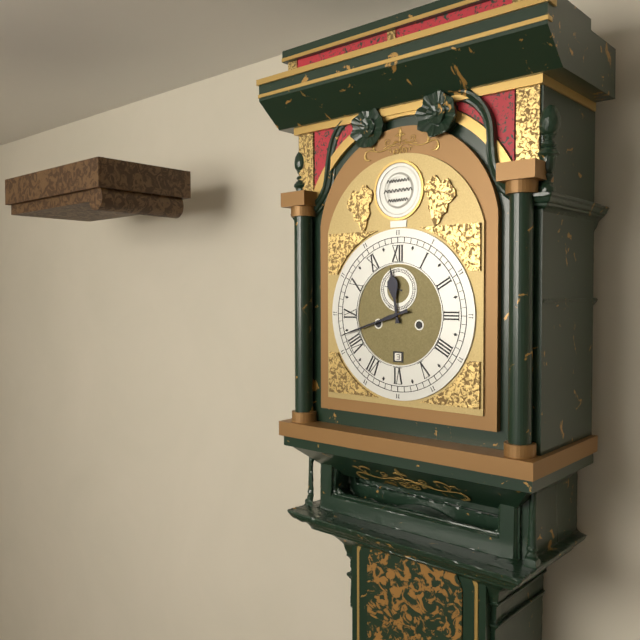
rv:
11 h 42 min
